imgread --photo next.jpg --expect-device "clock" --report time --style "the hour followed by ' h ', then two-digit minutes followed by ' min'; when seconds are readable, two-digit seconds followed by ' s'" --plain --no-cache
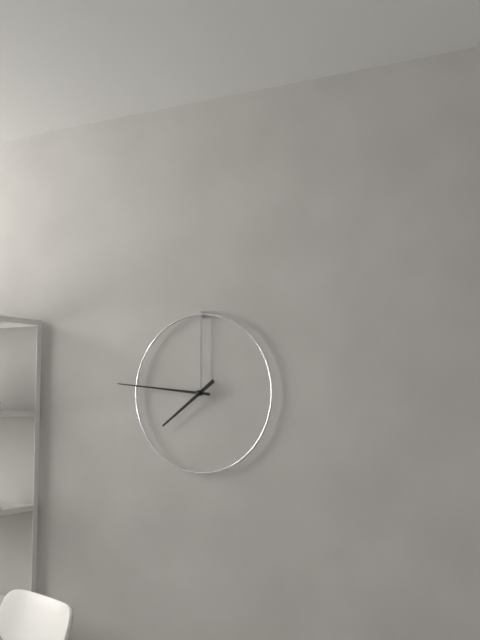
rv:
7 h 46 min
